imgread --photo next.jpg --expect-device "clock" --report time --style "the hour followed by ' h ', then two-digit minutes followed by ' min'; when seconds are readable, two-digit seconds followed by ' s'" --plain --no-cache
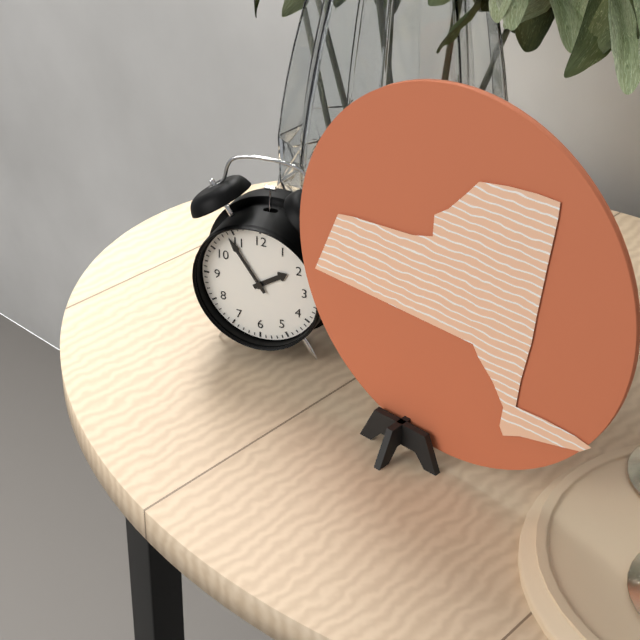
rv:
1 h 54 min
